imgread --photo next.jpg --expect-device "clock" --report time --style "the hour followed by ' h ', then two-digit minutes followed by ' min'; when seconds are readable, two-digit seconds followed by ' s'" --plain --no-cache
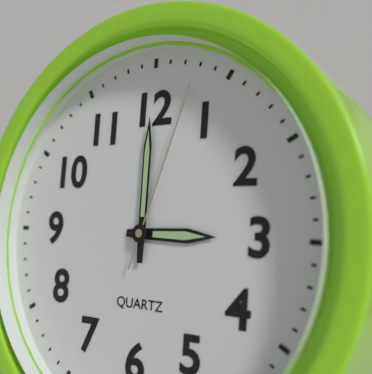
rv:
3 h 00 min 03 s
